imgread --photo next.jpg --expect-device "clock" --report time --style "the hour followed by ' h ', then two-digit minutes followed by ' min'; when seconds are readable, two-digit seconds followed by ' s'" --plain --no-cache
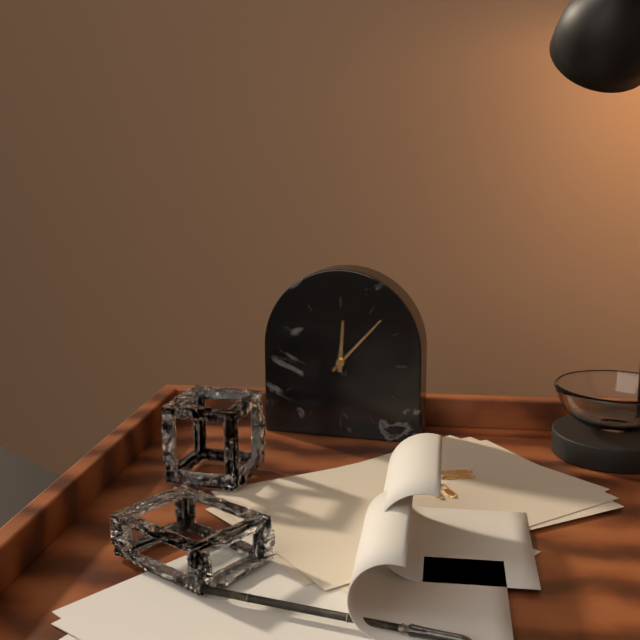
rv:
12 h 07 min
